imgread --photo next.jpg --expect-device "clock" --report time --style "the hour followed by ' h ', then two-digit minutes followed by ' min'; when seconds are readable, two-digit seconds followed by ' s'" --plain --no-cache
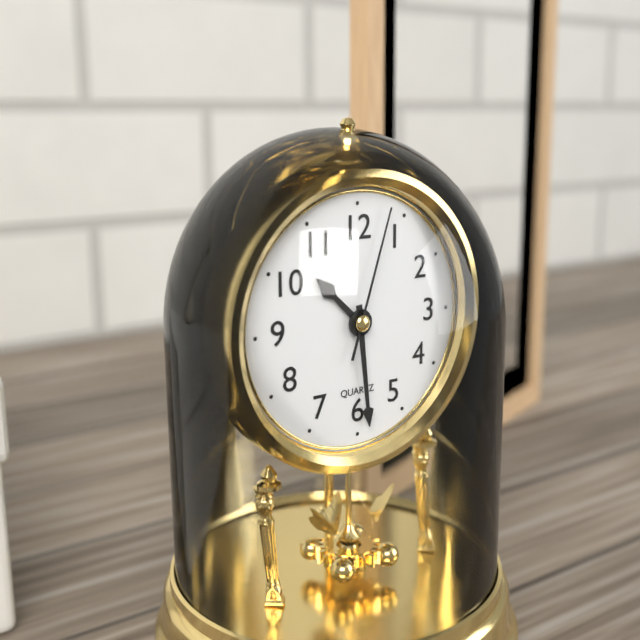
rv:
10 h 29 min 03 s
